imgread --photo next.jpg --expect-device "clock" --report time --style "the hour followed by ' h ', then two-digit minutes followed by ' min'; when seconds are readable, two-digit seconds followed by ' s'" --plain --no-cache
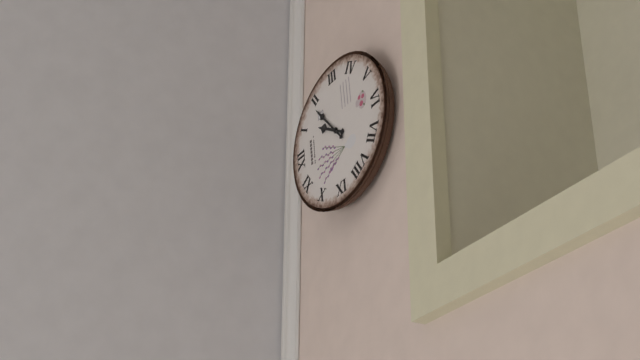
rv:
1 h 09 min
